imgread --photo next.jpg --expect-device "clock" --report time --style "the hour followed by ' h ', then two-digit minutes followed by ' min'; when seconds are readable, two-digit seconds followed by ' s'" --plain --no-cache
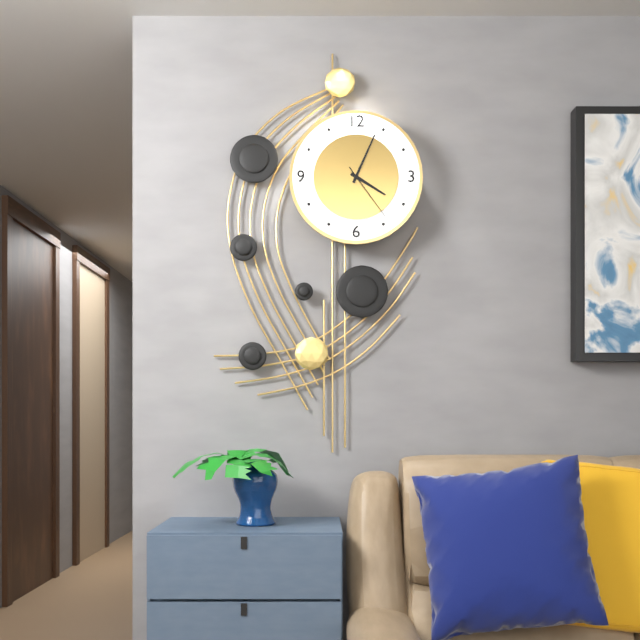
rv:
4 h 04 min 24 s
